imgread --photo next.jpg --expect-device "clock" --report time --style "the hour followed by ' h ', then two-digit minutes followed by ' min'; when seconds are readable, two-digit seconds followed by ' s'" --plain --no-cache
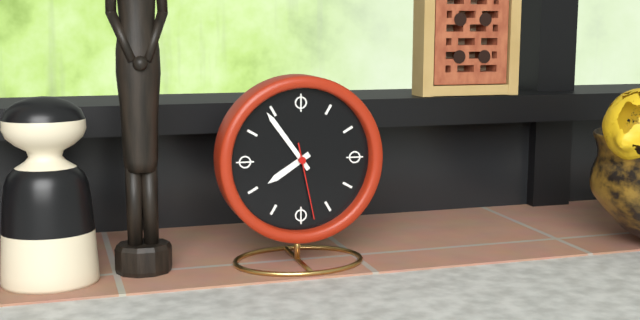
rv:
7 h 54 min 28 s
